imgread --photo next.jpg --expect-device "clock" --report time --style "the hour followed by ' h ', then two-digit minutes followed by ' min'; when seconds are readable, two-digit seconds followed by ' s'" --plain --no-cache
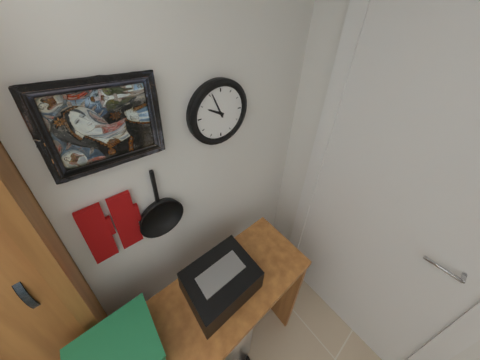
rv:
9 h 56 min
